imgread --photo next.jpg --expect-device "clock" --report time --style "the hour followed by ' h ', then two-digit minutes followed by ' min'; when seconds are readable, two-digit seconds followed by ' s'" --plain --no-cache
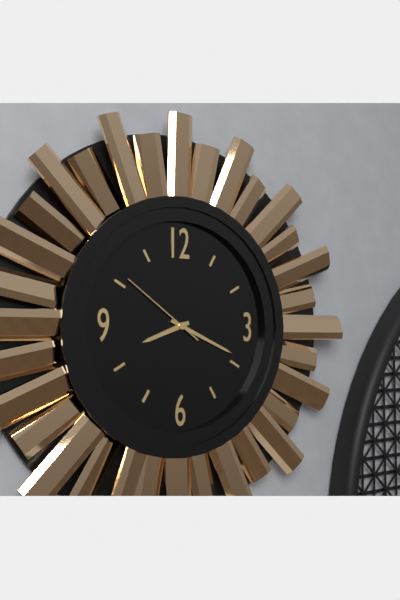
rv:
8 h 19 min 51 s
